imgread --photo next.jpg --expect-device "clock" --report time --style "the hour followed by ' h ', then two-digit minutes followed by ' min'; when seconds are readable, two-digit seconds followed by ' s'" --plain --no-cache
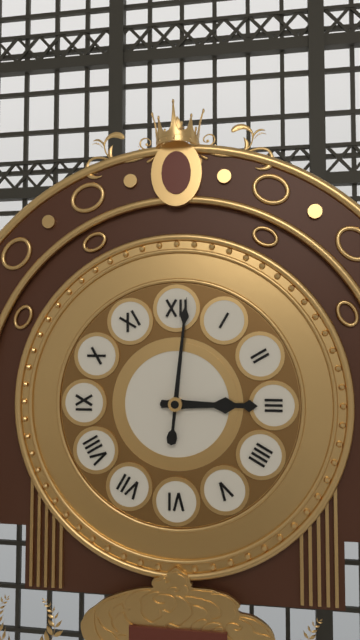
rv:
3 h 01 min
